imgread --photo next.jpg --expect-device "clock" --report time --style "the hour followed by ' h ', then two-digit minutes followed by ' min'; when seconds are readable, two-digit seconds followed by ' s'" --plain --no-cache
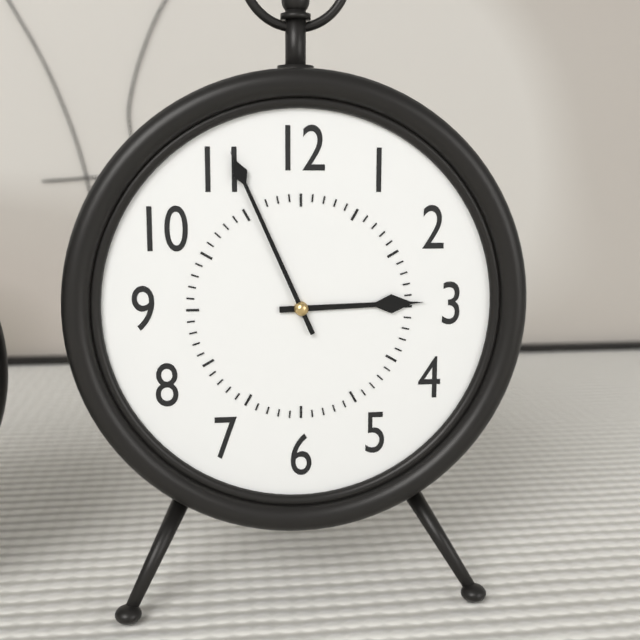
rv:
2 h 56 min
